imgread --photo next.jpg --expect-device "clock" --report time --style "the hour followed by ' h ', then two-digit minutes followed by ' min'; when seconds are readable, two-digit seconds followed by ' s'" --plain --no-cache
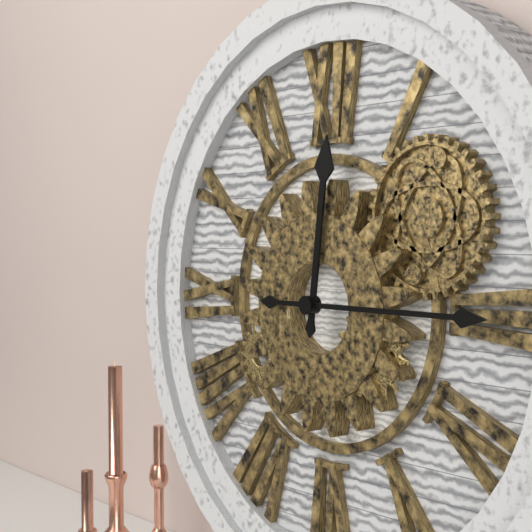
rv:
12 h 15 min
